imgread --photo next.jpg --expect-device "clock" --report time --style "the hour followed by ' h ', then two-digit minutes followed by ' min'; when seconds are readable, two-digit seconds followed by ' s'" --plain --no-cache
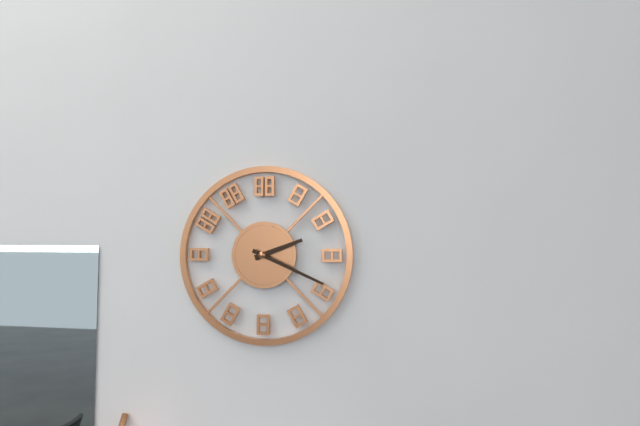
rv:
2 h 19 min
